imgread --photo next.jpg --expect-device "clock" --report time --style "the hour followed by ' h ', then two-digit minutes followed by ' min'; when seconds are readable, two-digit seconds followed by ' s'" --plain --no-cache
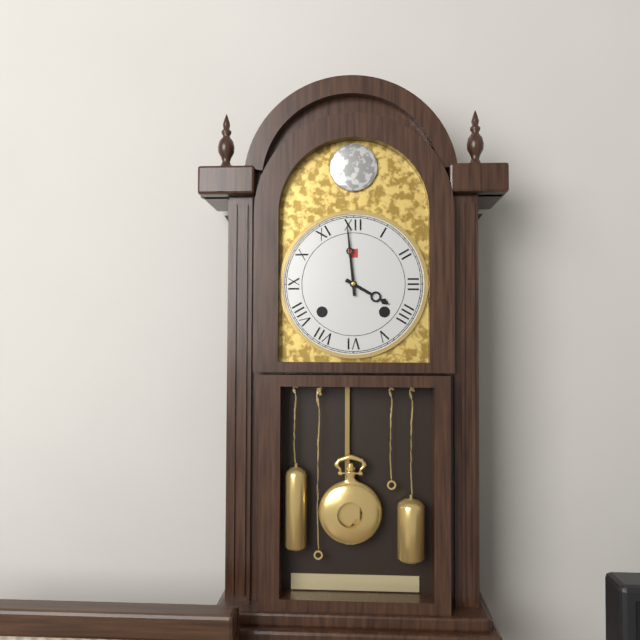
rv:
3 h 59 min
